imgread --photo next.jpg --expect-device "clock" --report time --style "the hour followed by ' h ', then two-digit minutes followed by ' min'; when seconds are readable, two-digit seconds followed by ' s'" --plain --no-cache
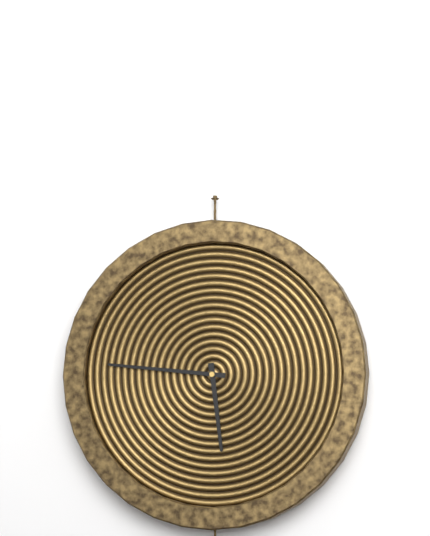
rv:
5 h 46 min
